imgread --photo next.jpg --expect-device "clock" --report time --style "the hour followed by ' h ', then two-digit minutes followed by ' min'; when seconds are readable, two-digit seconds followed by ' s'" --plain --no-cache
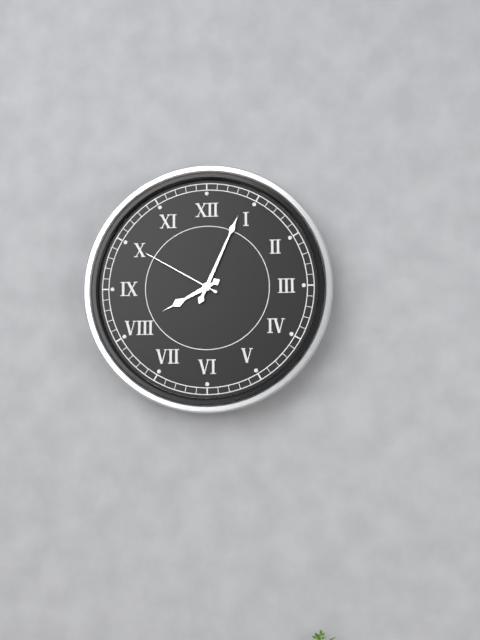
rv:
8 h 04 min 50 s
